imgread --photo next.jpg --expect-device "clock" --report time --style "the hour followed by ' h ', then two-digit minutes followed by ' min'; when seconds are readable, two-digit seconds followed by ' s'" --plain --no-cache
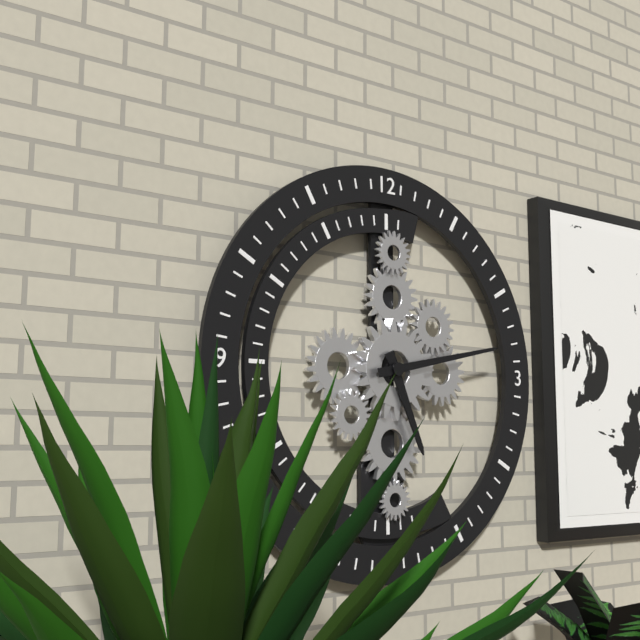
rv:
5 h 13 min
